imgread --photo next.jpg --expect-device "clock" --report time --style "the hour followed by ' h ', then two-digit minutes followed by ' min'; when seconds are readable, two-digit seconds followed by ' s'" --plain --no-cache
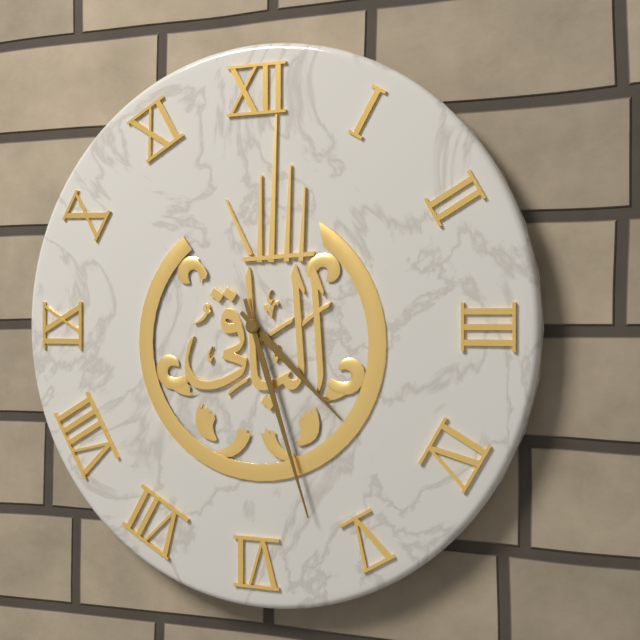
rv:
4 h 27 min
